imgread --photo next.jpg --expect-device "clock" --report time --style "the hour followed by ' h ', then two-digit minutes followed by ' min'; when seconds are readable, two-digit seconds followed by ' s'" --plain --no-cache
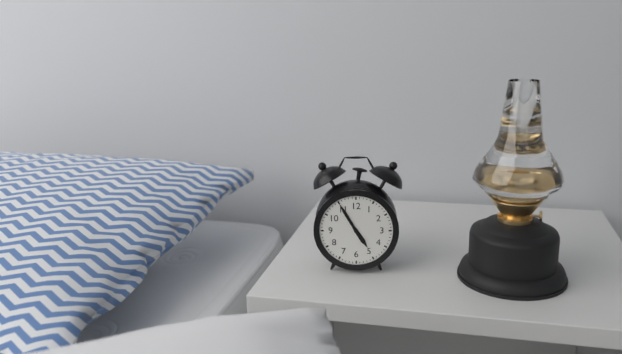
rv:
4 h 55 min
